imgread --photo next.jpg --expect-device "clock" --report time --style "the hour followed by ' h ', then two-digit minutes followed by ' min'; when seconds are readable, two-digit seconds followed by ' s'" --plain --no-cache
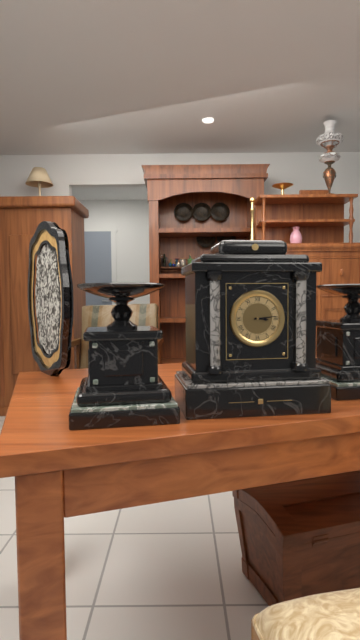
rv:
3 h 14 min
